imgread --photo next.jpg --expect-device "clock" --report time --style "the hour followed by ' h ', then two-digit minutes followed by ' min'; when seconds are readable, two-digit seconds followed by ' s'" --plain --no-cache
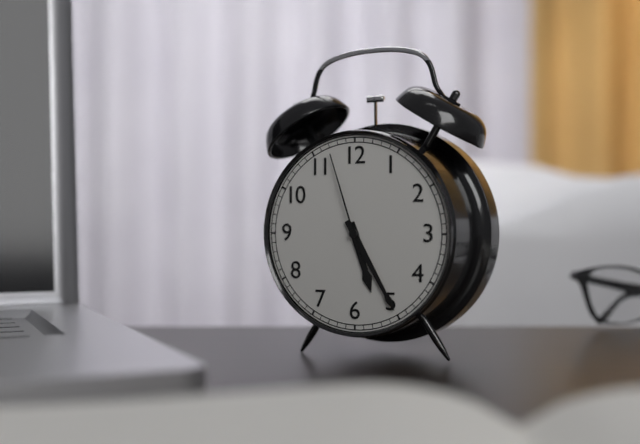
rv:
5 h 25 min 57 s
